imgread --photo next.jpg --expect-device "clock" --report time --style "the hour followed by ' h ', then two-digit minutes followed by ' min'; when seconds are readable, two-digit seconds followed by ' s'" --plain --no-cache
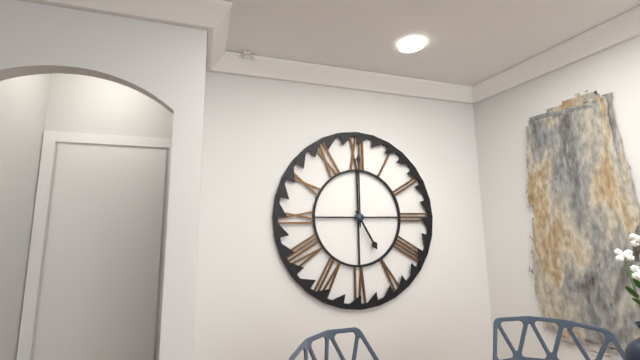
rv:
5 h 00 min
